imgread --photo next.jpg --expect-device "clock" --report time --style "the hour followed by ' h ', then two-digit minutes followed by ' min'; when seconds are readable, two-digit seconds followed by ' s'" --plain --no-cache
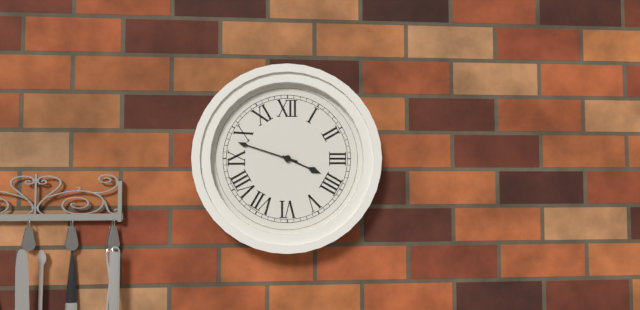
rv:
3 h 48 min
